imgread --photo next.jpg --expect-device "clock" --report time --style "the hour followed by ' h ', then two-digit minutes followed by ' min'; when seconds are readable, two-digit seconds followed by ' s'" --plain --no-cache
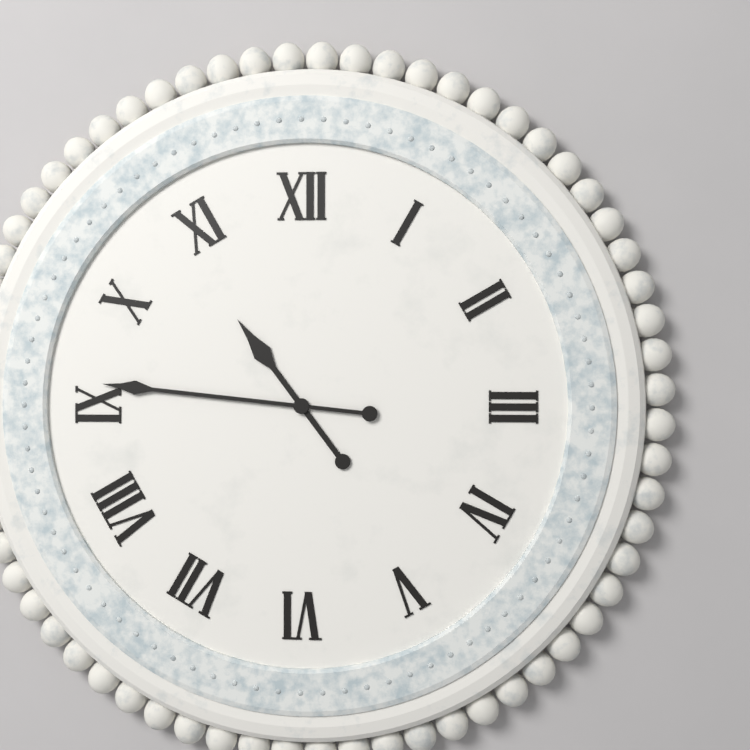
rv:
10 h 46 min
